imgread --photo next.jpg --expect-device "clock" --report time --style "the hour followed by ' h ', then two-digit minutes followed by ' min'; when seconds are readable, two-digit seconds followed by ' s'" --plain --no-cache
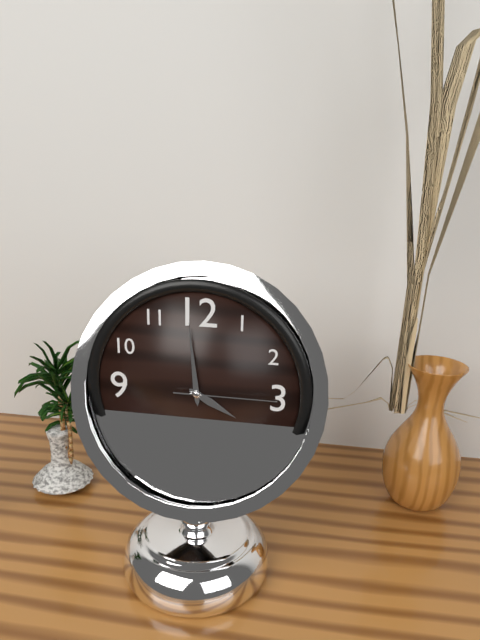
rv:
3 h 59 min 15 s
